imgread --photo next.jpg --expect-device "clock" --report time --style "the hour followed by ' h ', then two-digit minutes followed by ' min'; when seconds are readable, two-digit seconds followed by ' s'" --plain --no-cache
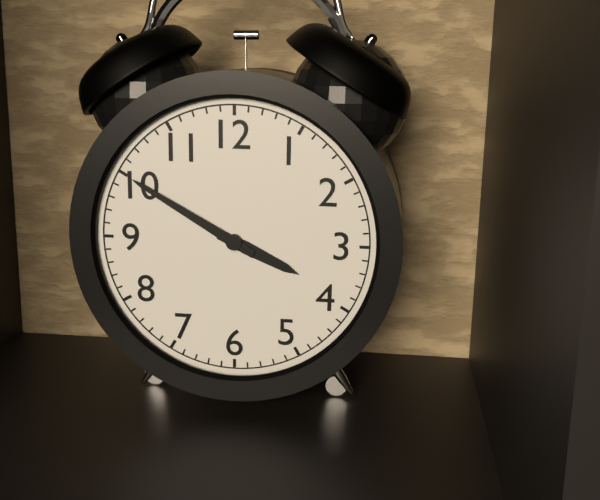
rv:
3 h 50 min
